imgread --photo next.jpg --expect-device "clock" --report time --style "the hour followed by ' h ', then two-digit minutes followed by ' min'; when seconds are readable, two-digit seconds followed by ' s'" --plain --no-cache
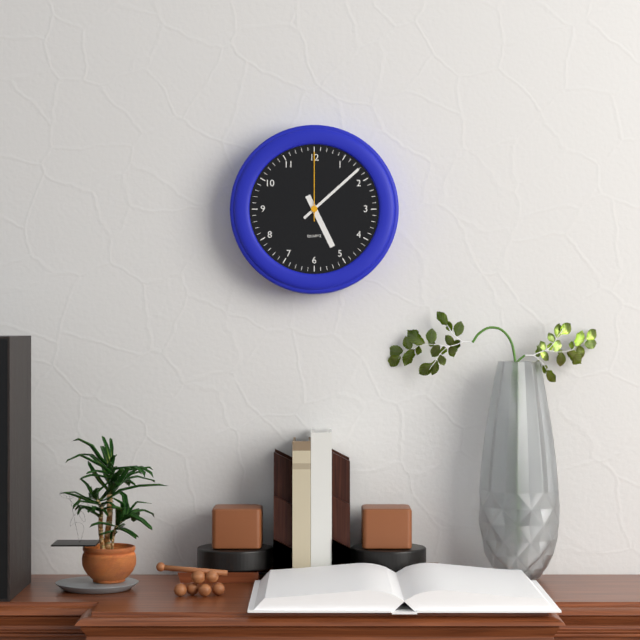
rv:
5 h 08 min 00 s
